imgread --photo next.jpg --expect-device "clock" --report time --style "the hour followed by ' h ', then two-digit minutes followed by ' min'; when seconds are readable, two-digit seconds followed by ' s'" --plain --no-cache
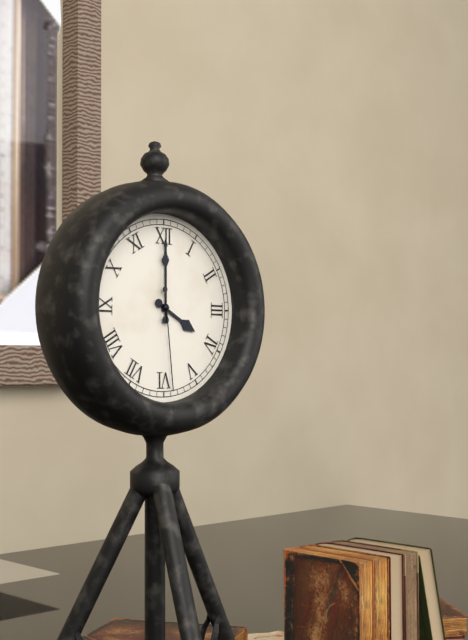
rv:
4 h 00 min 29 s
